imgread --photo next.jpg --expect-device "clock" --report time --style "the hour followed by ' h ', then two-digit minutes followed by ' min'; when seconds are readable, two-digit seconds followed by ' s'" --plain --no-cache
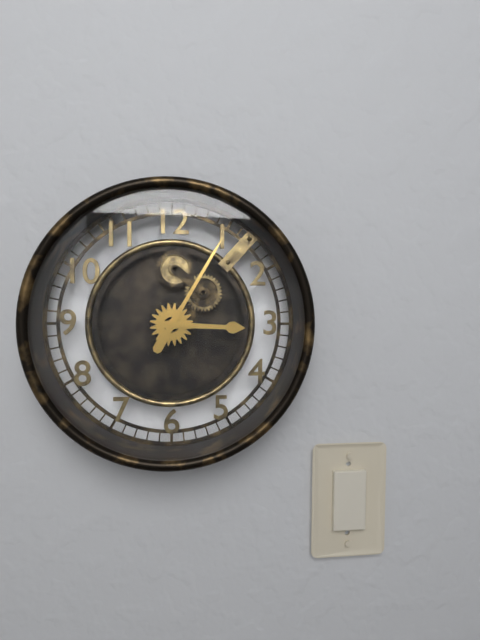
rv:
3 h 05 min
